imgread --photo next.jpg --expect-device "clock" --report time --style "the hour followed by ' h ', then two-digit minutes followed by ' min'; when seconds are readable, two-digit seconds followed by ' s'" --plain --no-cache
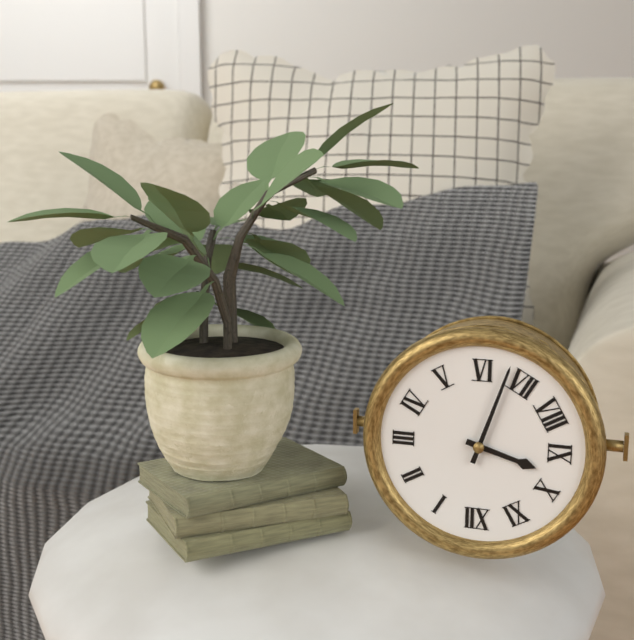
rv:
9 h 33 min
